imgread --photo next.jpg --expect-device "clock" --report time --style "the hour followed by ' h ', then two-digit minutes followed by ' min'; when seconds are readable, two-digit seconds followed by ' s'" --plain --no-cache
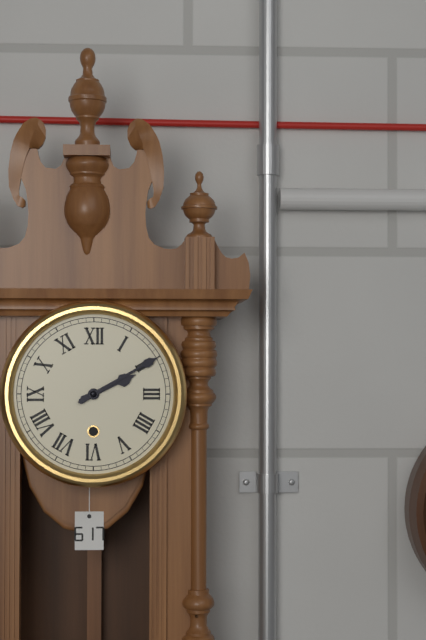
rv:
2 h 10 min
